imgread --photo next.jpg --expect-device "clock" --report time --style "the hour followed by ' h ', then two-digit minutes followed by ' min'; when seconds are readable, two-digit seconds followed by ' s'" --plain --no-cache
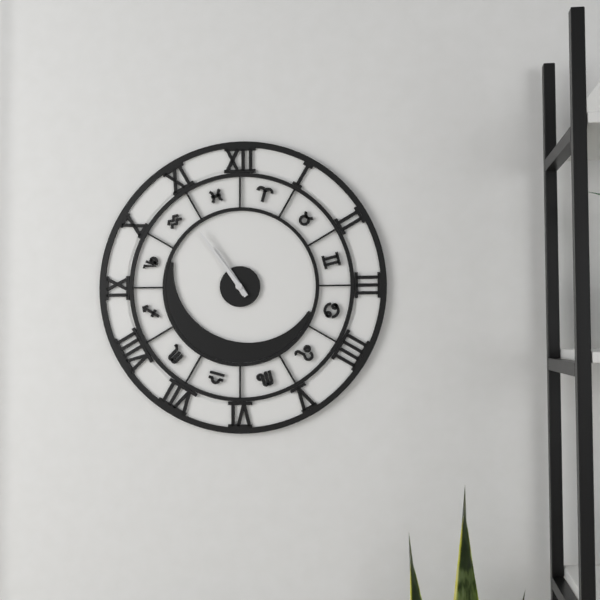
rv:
10 h 54 min
